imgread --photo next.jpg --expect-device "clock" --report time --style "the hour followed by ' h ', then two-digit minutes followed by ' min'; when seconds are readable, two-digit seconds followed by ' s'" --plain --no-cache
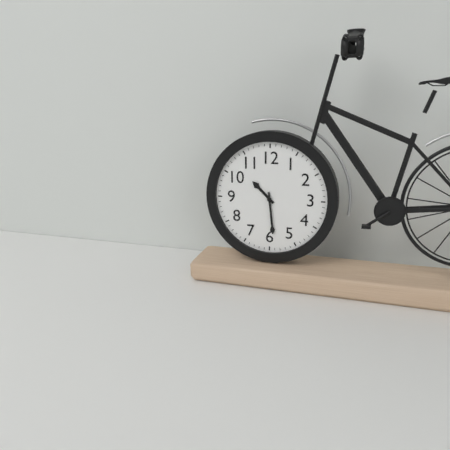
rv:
10 h 29 min
